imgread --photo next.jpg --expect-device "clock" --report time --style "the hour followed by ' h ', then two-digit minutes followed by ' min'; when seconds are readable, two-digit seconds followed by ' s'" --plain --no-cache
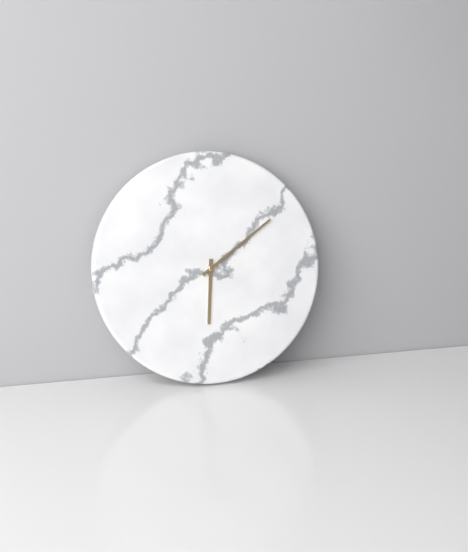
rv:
6 h 09 min
